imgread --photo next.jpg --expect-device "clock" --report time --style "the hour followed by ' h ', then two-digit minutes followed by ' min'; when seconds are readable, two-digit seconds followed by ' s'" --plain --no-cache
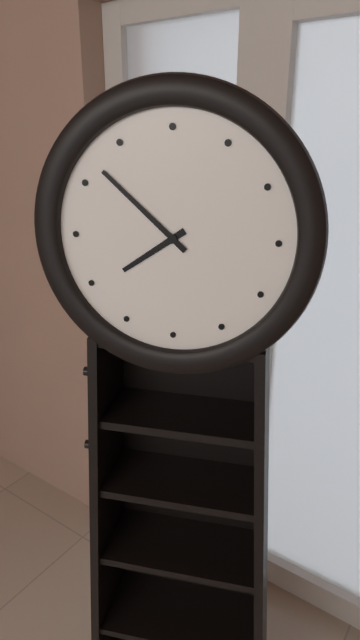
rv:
7 h 52 min
